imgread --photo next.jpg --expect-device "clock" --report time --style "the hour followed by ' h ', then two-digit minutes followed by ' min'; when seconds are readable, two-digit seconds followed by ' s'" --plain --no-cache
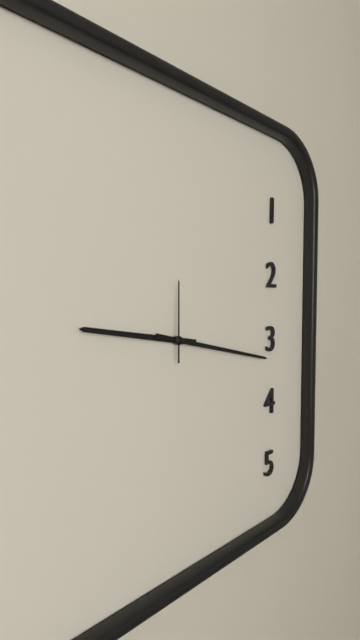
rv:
9 h 17 min 00 s
